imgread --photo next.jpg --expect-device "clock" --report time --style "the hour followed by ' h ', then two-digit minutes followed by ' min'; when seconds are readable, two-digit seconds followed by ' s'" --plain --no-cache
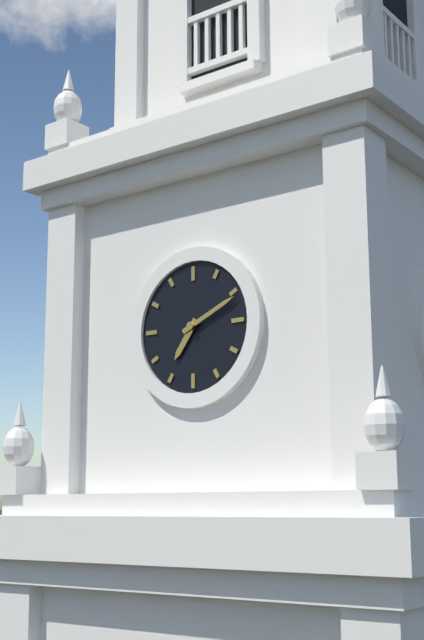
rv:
7 h 11 min
